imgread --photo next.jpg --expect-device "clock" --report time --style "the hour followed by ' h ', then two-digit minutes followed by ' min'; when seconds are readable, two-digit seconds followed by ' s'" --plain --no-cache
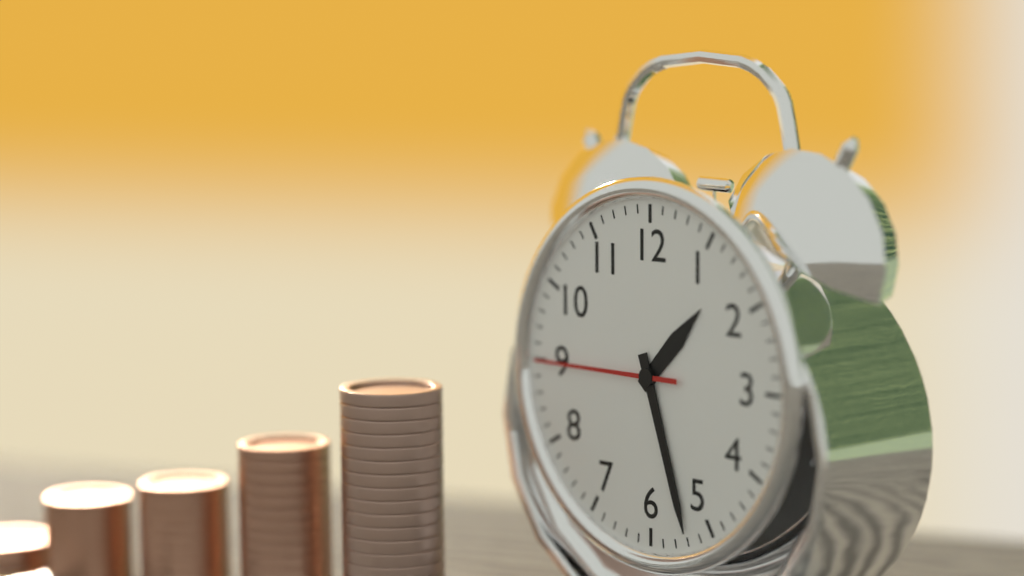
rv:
1 h 27 min 45 s
